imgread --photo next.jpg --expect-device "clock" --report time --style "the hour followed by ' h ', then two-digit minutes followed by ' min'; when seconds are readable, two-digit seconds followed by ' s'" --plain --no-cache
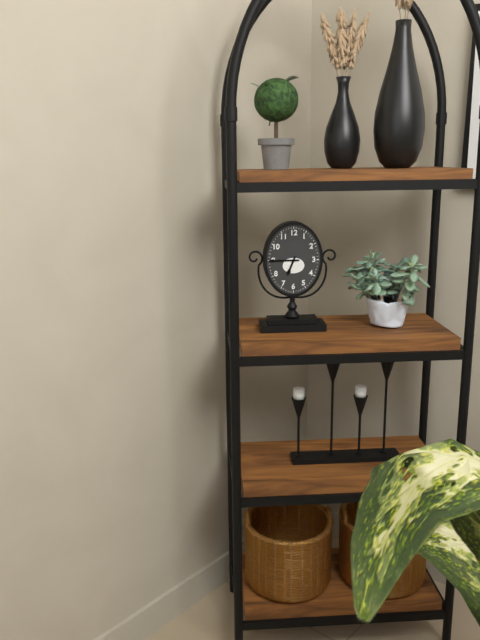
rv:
6 h 45 min
